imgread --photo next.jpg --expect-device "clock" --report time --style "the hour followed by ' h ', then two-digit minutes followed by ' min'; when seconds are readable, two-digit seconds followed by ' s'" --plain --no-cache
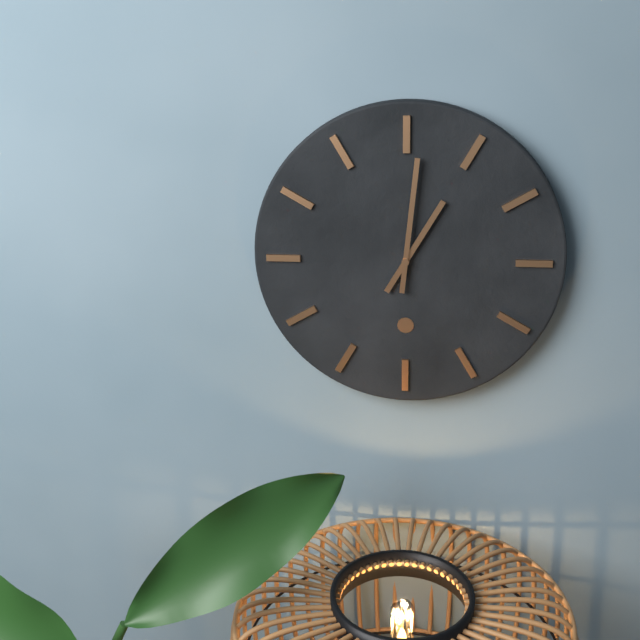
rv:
1 h 01 min
